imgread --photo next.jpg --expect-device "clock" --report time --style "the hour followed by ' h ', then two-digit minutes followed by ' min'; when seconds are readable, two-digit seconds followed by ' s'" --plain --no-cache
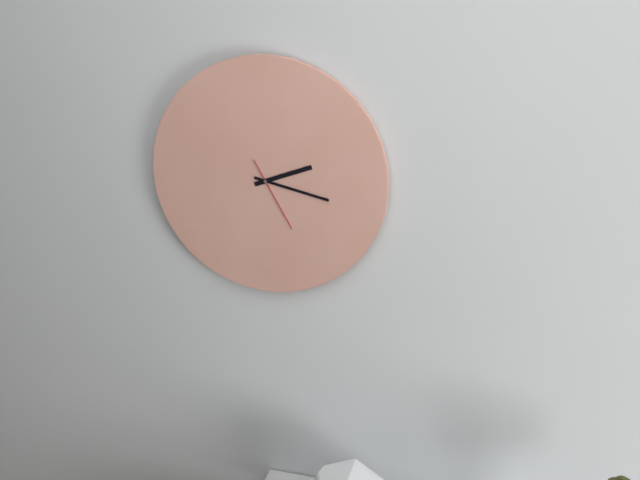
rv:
2 h 17 min 25 s
